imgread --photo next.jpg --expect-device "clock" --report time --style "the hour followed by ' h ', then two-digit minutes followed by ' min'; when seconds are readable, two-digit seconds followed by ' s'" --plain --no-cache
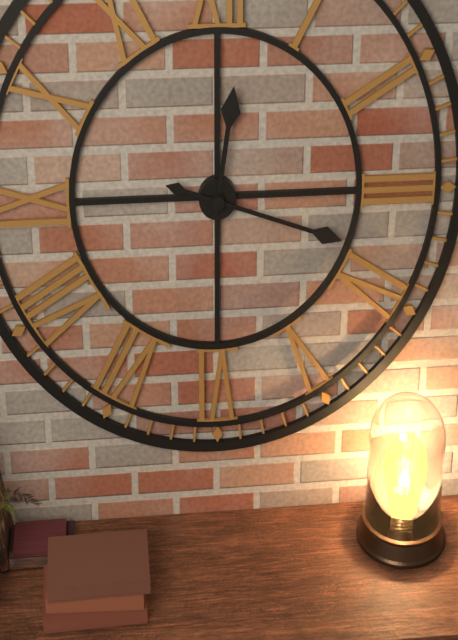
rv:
12 h 18 min
